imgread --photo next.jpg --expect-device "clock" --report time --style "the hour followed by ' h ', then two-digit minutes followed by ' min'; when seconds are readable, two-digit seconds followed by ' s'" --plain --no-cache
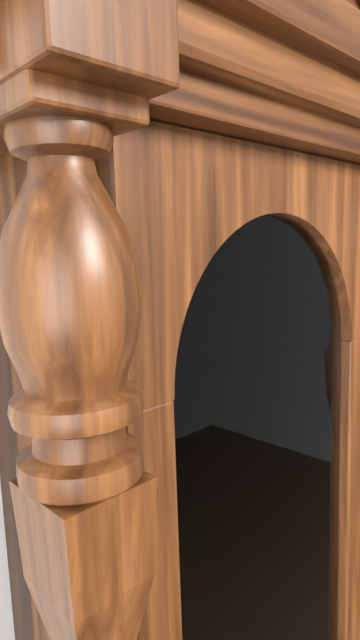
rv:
1 h 25 min
